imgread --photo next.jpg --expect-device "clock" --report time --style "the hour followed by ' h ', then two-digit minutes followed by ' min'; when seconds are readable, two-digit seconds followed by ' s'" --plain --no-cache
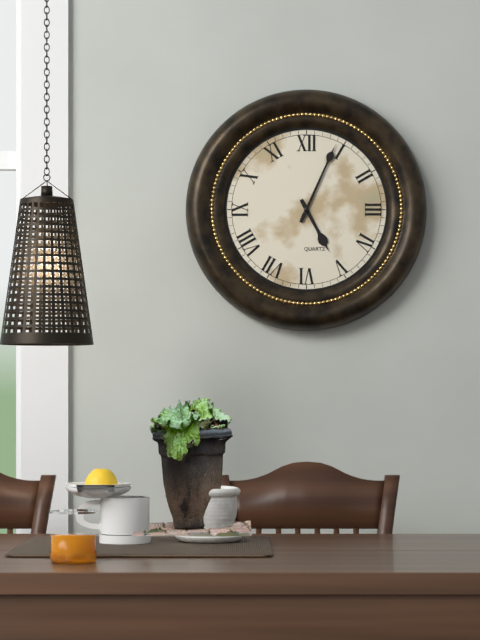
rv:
5 h 04 min
